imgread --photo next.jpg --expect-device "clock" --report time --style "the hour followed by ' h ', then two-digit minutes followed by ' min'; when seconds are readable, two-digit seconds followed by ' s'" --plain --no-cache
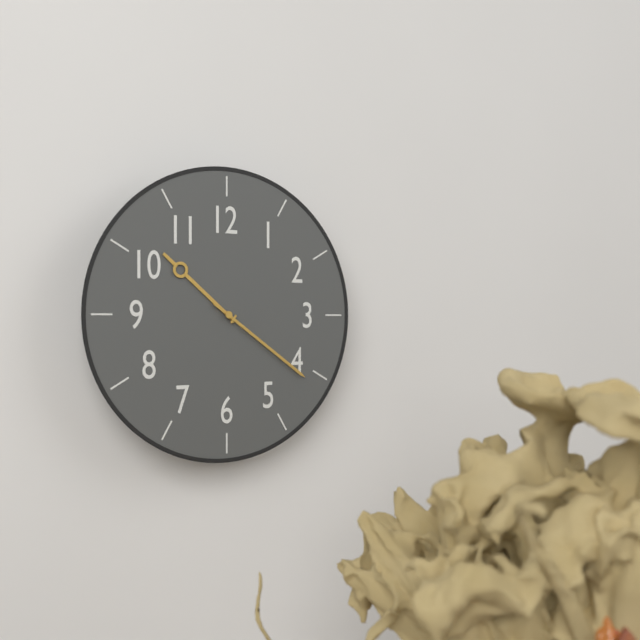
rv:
10 h 21 min
